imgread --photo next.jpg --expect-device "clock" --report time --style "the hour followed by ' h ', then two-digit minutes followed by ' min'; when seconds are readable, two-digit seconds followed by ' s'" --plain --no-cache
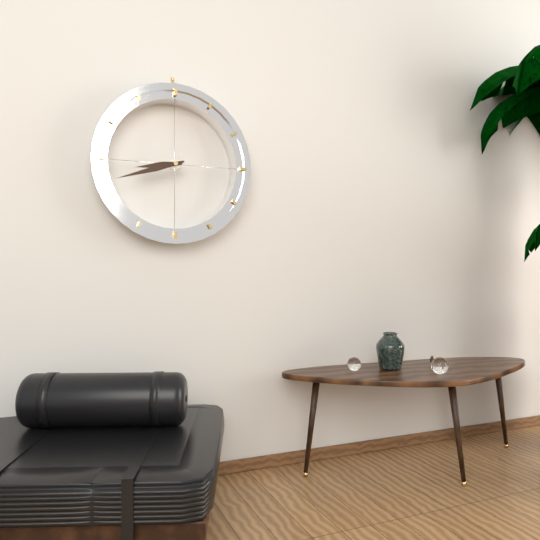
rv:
8 h 42 min
